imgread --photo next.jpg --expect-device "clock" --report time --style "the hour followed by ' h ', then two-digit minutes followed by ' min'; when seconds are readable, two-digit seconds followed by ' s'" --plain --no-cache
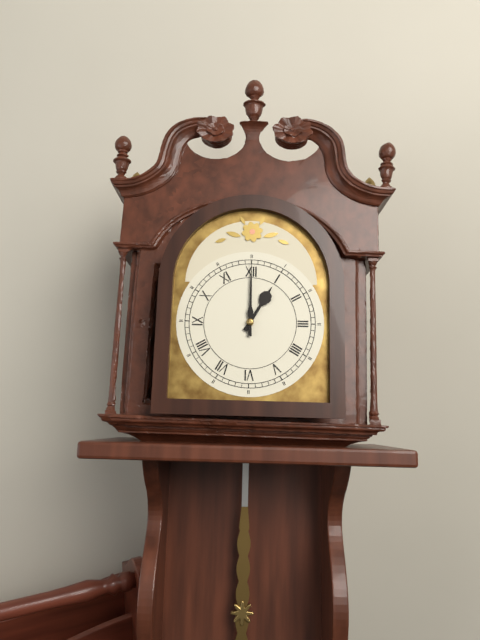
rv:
1 h 00 min
